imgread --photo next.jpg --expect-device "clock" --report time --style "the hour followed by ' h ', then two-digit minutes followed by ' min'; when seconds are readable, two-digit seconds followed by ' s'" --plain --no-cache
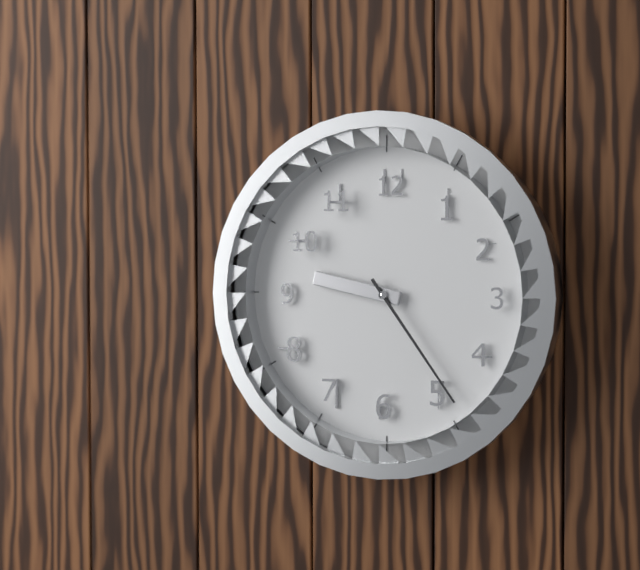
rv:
9 h 24 min
